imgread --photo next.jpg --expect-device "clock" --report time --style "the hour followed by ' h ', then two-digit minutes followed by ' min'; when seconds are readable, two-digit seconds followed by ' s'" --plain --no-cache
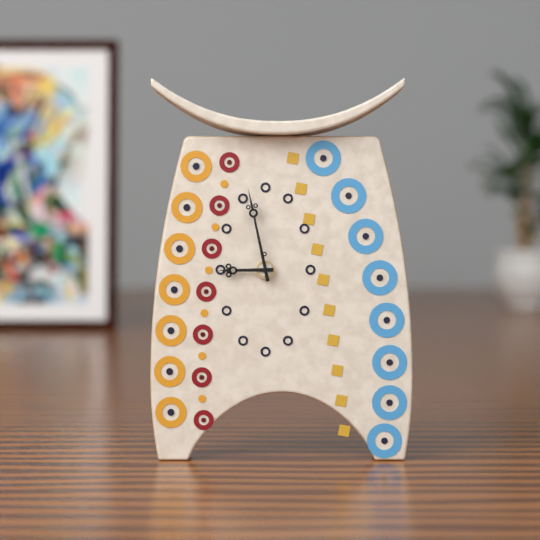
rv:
8 h 58 min
